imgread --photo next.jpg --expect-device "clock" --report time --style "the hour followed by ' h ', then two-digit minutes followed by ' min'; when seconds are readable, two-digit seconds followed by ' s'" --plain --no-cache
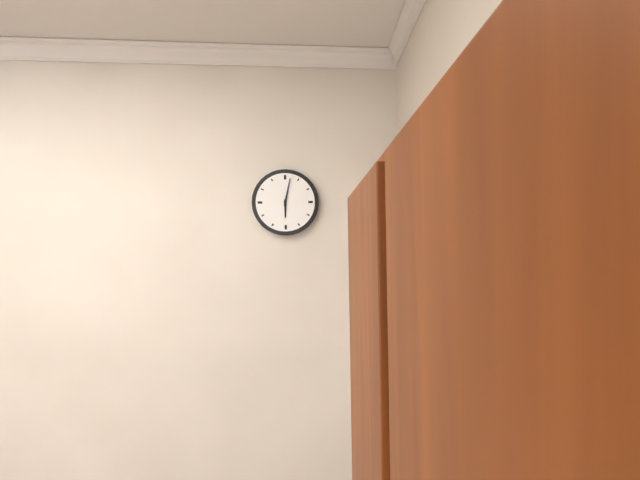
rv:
6 h 02 min
